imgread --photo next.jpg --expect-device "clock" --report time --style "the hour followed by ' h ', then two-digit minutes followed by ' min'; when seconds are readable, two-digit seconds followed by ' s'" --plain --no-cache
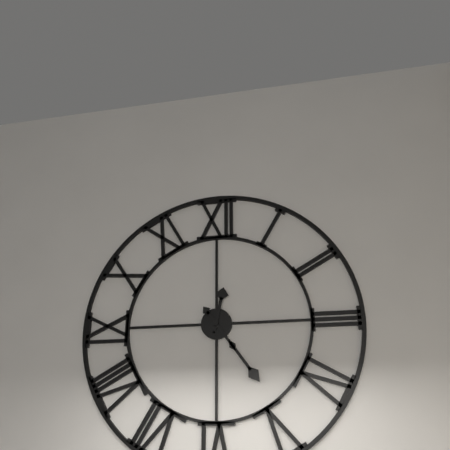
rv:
12 h 24 min
